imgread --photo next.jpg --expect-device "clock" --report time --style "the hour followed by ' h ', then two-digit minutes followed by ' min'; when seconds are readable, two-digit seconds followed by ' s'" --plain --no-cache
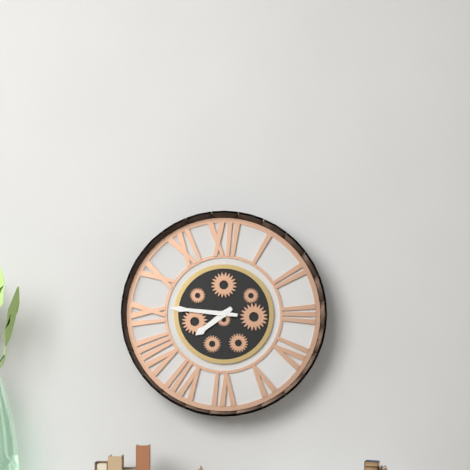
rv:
7 h 46 min
